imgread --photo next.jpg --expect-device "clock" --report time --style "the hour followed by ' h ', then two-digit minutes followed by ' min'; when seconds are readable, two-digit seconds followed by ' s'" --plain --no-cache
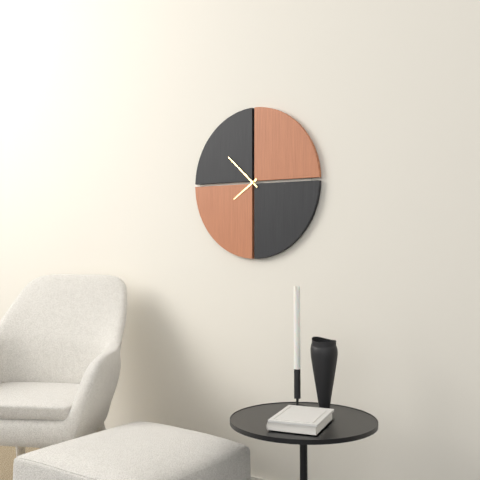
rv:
7 h 52 min
